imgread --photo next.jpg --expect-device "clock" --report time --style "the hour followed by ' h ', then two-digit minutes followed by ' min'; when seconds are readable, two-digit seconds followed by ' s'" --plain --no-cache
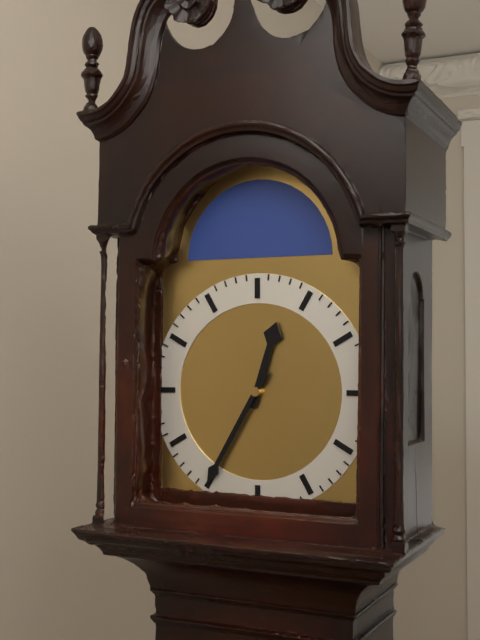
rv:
12 h 35 min
